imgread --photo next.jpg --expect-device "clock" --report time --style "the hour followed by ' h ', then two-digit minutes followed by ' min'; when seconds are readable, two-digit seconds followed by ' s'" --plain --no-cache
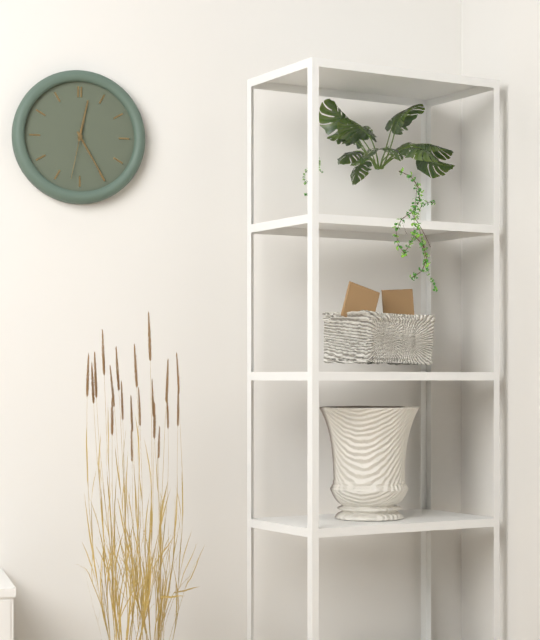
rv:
12 h 25 min 32 s
